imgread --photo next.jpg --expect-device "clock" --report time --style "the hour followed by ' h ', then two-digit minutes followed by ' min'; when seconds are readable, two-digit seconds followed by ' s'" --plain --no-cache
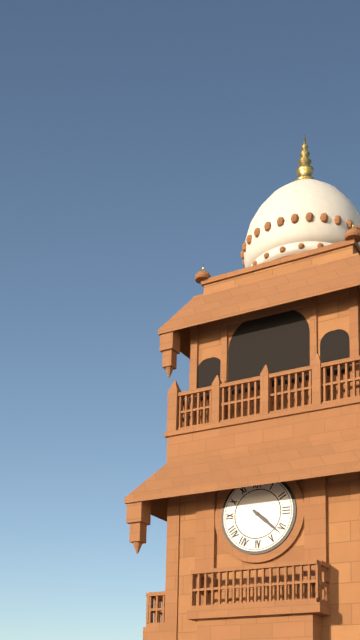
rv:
4 h 22 min
